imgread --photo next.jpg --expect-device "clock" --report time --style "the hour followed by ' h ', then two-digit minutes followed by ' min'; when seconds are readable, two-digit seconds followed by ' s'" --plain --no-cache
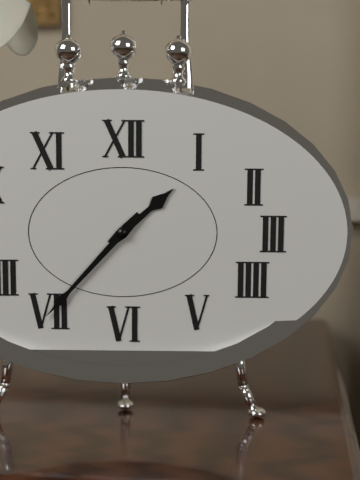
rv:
1 h 37 min
